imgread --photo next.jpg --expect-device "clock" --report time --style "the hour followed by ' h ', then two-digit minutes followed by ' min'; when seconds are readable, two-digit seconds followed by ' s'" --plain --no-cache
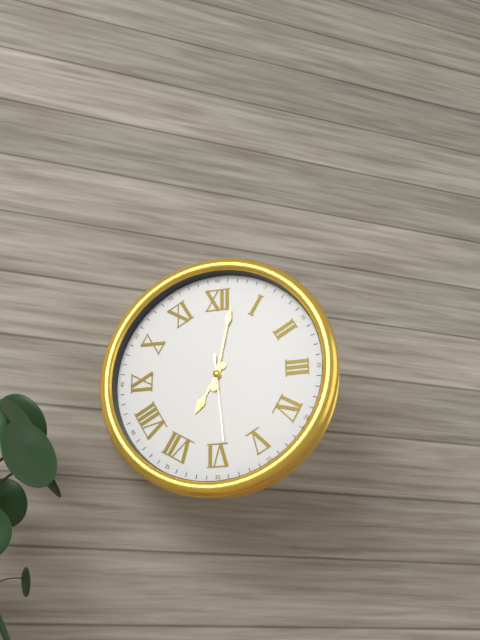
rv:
7 h 02 min 29 s
